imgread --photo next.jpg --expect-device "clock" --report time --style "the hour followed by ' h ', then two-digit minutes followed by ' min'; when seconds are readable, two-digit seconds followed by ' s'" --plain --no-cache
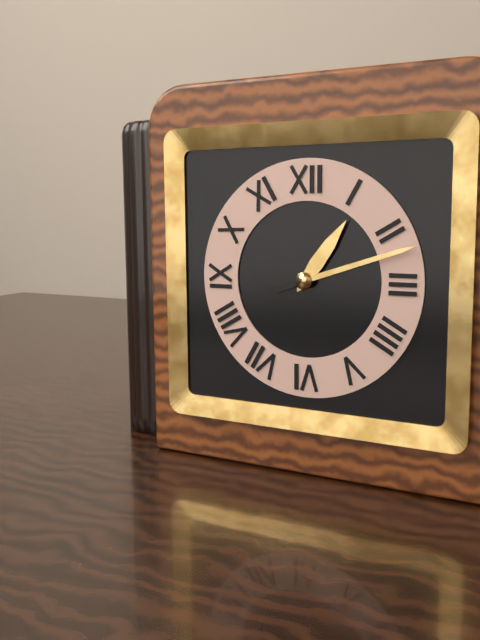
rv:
1 h 12 min
